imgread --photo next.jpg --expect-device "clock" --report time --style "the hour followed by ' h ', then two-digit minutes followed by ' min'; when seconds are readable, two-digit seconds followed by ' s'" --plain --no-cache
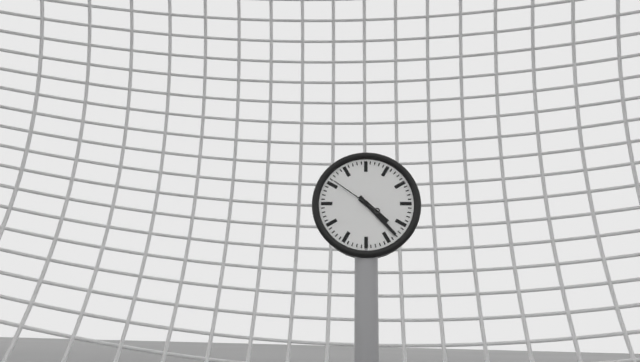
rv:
4 h 23 min
